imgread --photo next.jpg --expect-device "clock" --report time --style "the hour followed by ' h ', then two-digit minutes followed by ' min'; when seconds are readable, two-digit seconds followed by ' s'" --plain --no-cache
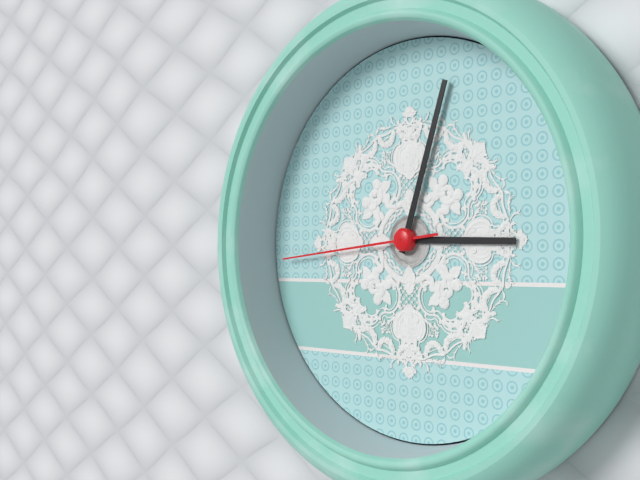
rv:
3 h 03 min 44 s
